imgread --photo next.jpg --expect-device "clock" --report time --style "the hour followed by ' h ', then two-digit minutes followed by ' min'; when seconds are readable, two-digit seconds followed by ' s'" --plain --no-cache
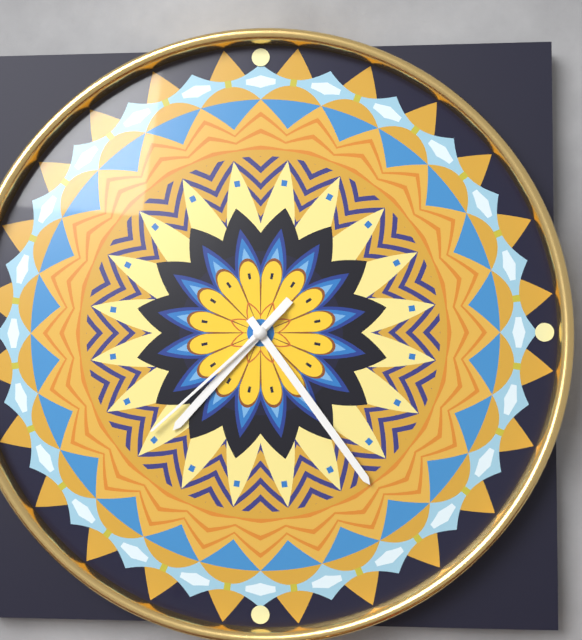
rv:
7 h 24 min 38 s
